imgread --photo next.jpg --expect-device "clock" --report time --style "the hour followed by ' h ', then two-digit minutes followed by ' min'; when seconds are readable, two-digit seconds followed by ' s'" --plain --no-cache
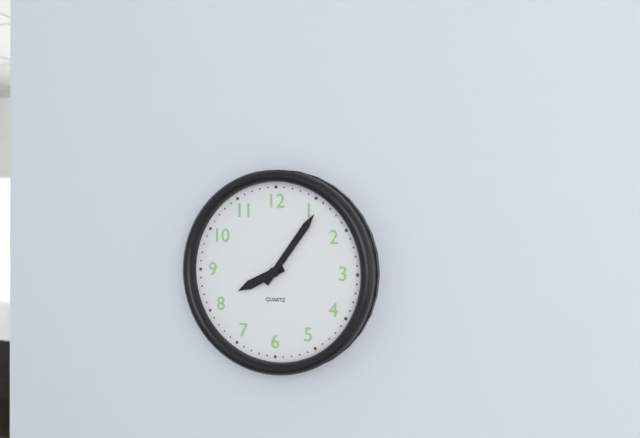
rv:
8 h 06 min
